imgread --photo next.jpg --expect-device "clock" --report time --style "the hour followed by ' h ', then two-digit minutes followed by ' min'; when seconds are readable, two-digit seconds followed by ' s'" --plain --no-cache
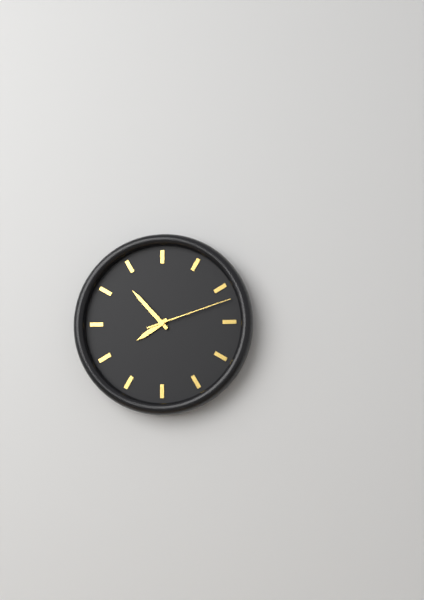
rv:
7 h 53 min 12 s
